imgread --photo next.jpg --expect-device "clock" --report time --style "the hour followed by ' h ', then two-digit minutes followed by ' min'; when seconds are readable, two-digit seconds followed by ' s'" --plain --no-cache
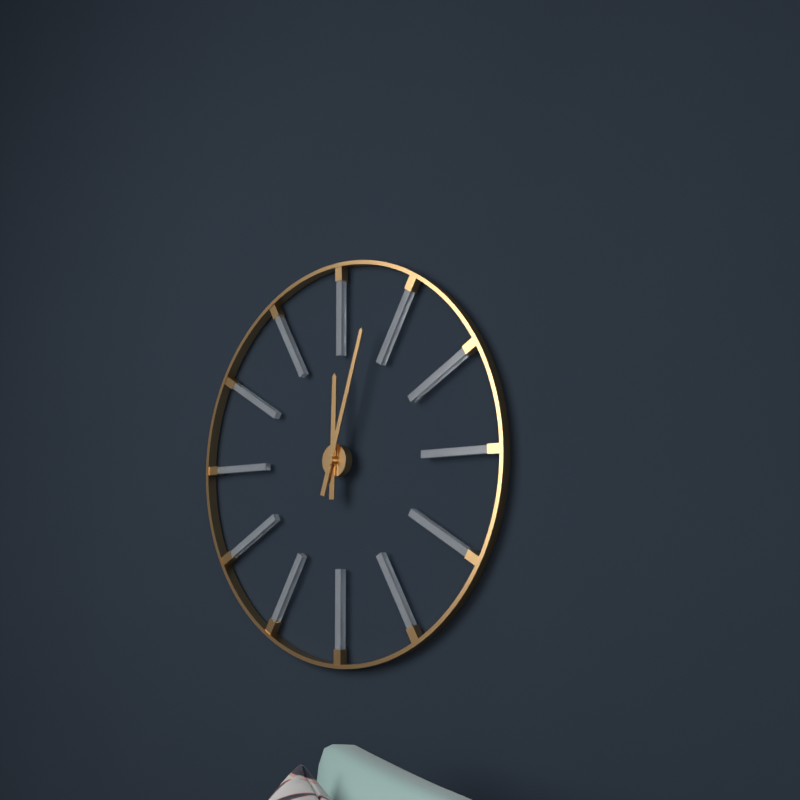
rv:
12 h 03 min
